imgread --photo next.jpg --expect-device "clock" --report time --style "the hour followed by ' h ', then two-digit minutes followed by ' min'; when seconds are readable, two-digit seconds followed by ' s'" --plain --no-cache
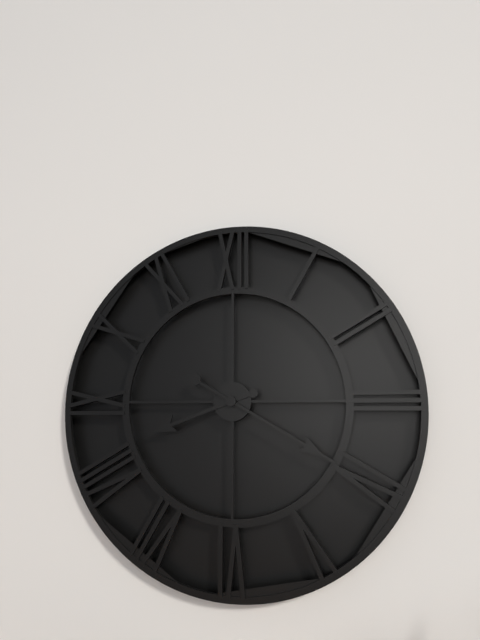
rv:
8 h 20 min
